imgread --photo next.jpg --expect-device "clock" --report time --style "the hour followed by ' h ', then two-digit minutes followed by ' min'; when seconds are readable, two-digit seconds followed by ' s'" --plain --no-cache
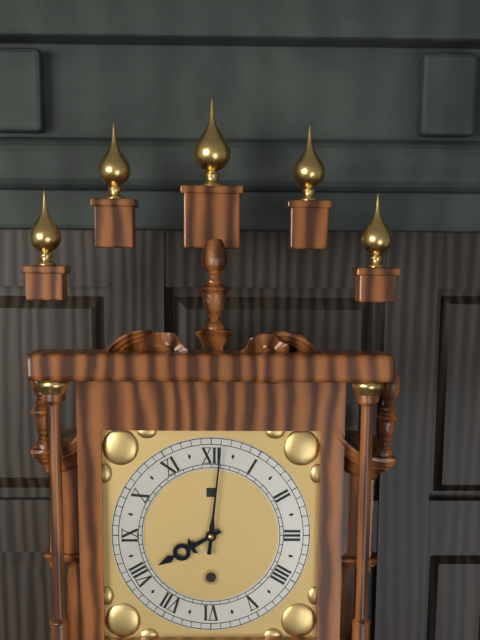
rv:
8 h 01 min
